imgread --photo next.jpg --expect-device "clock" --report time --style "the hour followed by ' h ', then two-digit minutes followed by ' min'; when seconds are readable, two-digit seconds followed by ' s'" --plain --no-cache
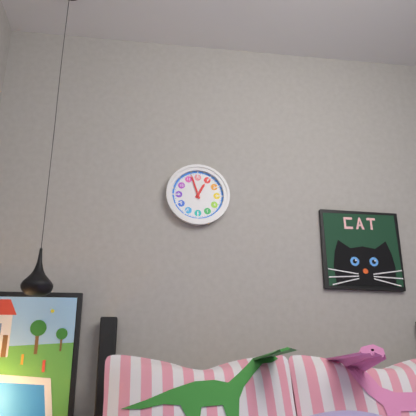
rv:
12 h 57 min
